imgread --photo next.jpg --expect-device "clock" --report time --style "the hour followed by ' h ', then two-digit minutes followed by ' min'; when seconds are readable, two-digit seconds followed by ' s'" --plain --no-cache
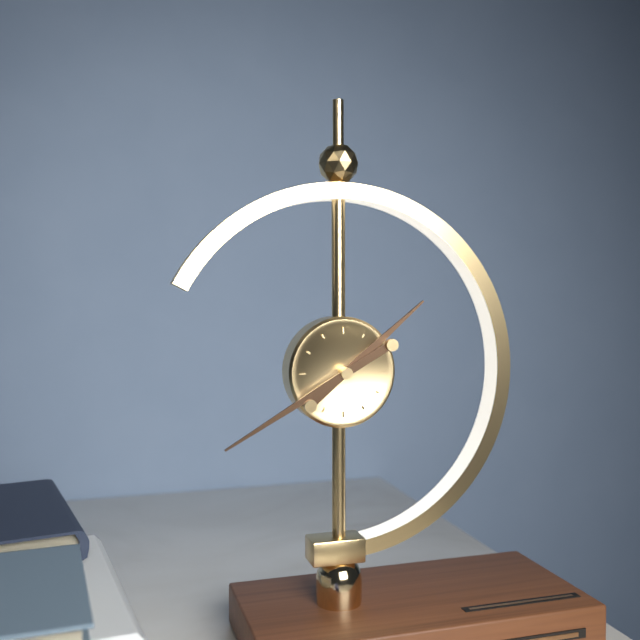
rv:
1 h 40 min
